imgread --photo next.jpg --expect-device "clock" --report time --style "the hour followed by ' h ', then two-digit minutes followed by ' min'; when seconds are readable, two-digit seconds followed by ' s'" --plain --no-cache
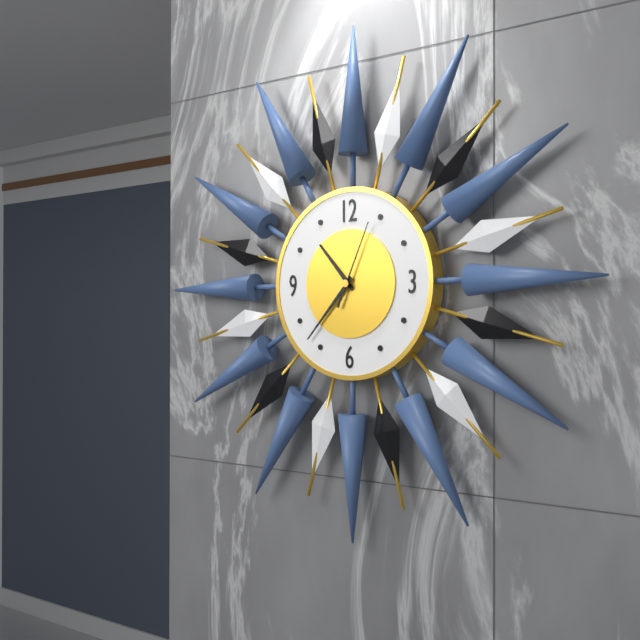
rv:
10 h 37 min 04 s
